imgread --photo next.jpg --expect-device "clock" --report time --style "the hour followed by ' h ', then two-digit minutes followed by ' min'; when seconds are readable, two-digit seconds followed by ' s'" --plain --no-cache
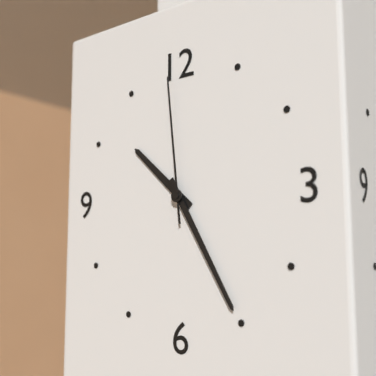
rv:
10 h 25 min 59 s
